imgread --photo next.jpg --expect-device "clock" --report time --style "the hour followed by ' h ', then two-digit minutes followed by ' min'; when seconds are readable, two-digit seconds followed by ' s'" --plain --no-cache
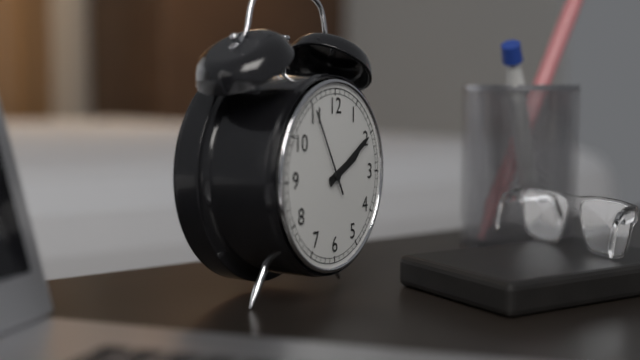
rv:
2 h 10 min 55 s
